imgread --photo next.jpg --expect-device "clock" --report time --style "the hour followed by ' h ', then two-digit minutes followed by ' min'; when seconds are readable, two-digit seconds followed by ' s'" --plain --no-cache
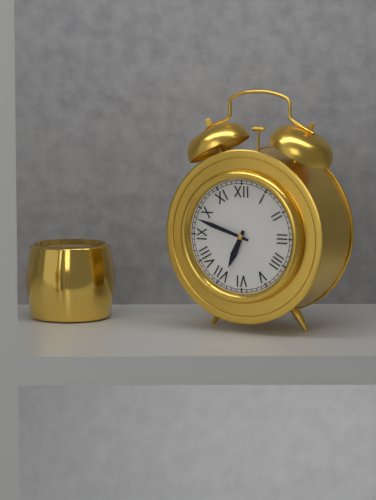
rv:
6 h 48 min
